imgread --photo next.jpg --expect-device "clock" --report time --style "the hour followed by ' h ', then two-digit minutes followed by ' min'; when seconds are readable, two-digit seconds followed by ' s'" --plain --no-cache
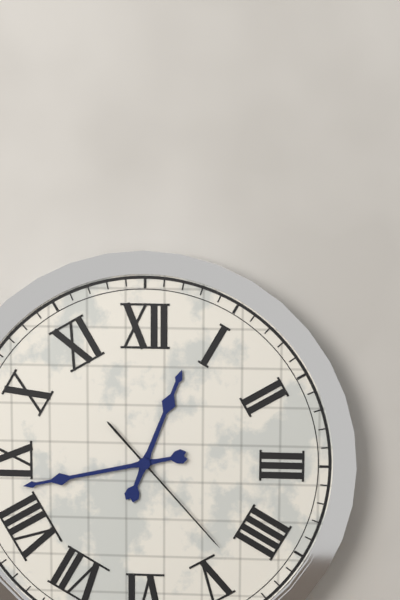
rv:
12 h 43 min 23 s
